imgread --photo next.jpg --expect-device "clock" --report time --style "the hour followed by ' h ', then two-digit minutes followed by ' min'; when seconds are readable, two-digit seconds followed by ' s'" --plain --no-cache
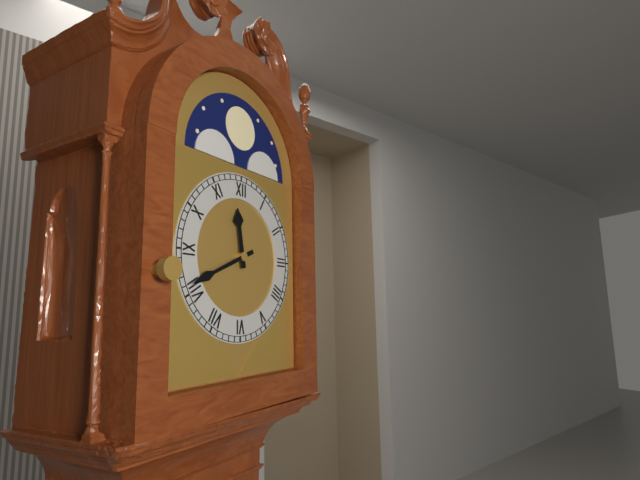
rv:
11 h 41 min
